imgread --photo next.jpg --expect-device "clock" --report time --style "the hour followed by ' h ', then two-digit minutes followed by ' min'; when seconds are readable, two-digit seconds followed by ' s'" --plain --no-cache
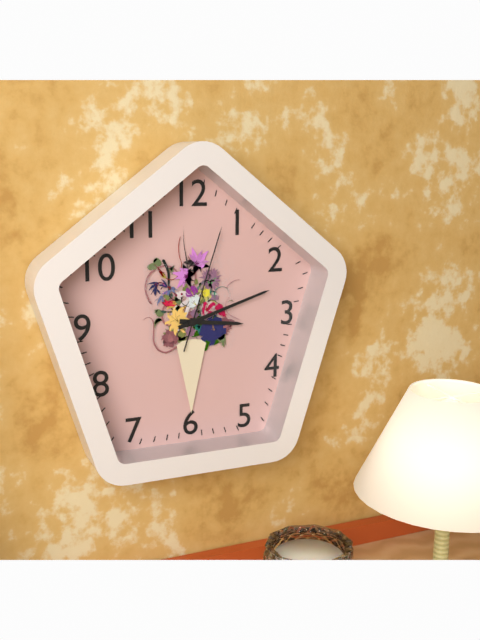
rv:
3 h 12 min 03 s
